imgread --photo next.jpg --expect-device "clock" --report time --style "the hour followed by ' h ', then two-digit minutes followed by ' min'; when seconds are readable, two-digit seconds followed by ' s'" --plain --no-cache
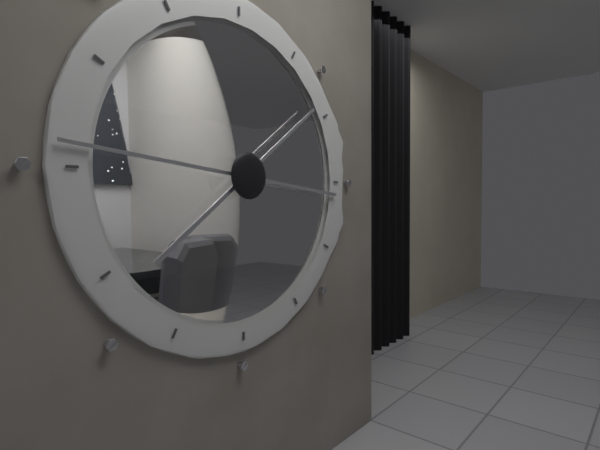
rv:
1 h 46 min
